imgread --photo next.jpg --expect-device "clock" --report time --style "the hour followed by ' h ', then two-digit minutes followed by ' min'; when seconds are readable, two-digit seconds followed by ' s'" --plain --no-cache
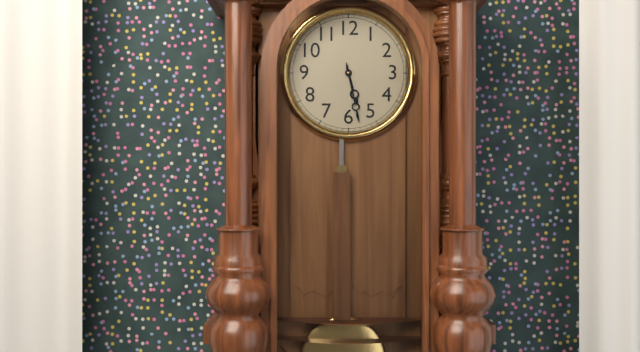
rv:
5 h 28 min
